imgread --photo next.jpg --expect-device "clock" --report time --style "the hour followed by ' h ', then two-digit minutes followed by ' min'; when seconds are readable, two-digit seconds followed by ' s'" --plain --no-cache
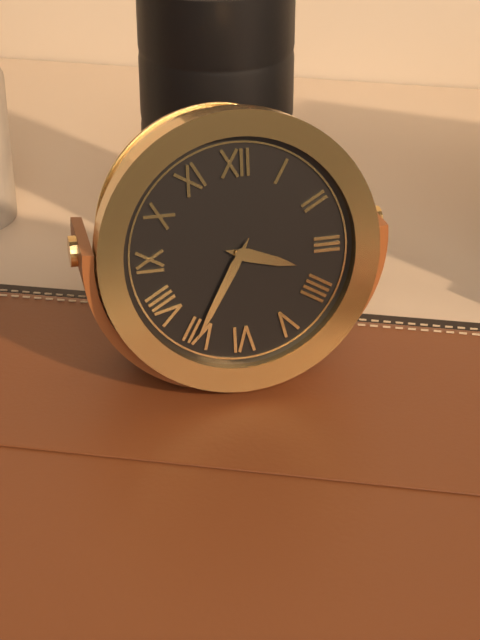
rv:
3 h 35 min
